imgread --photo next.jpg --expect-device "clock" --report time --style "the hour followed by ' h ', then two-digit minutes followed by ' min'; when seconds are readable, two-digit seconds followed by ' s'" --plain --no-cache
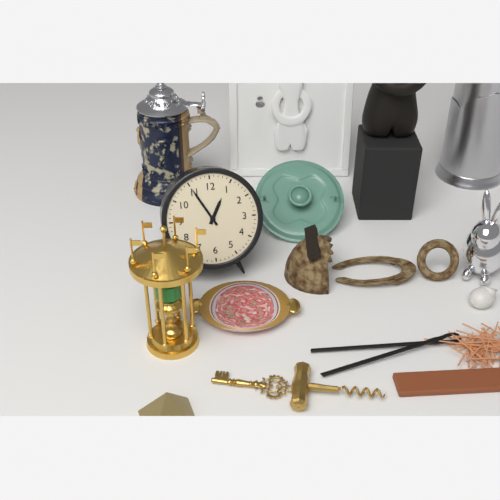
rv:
12 h 55 min
